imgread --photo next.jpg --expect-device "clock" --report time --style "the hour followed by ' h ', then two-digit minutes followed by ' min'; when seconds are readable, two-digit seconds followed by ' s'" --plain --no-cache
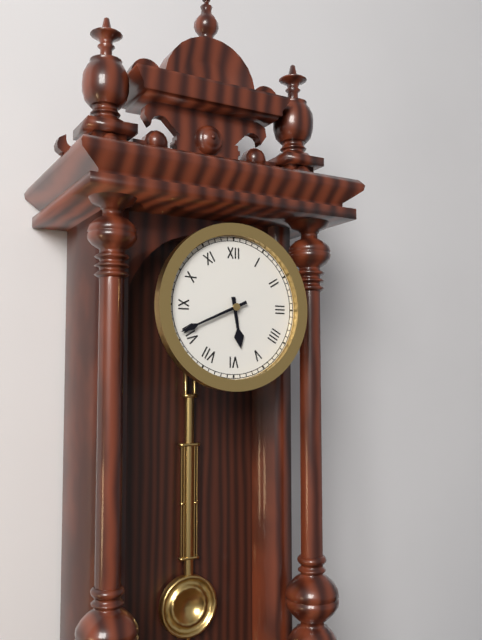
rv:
5 h 41 min
